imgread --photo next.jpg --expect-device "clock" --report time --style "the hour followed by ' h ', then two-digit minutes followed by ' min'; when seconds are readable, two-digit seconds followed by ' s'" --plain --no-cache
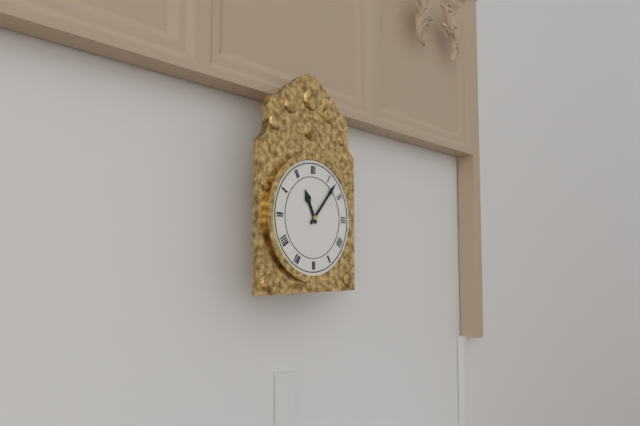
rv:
11 h 07 min
